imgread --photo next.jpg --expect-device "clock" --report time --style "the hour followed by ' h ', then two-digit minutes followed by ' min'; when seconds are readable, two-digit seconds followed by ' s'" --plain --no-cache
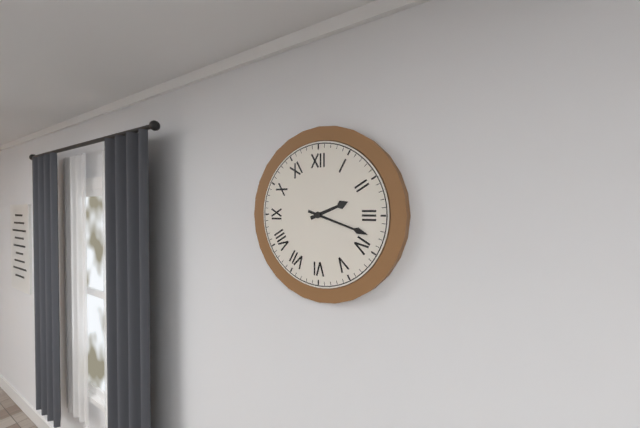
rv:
2 h 18 min
